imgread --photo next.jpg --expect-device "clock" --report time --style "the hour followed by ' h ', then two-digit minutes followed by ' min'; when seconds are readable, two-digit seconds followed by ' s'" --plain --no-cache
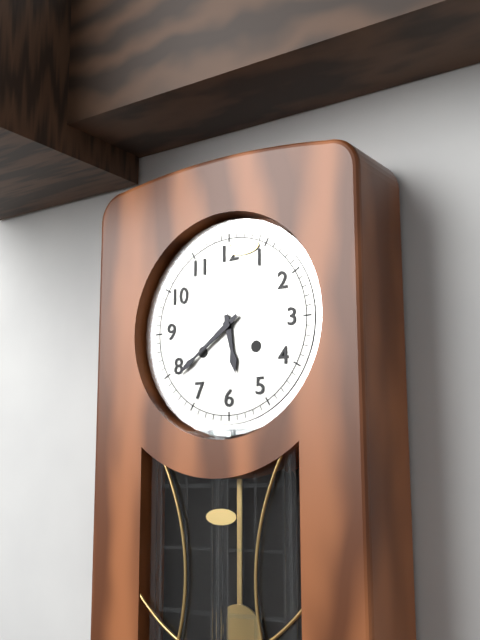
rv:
5 h 39 min
